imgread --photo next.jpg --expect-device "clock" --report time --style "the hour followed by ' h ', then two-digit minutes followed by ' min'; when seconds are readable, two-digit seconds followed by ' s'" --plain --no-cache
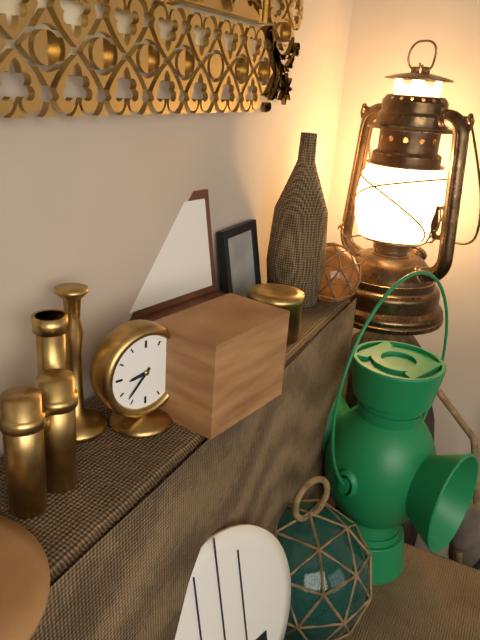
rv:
8 h 37 min
